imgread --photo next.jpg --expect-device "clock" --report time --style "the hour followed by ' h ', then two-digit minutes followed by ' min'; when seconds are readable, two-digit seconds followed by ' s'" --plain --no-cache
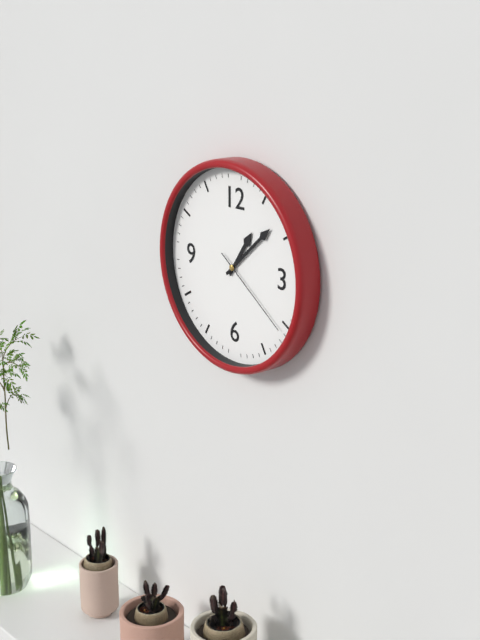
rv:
1 h 08 min 21 s
